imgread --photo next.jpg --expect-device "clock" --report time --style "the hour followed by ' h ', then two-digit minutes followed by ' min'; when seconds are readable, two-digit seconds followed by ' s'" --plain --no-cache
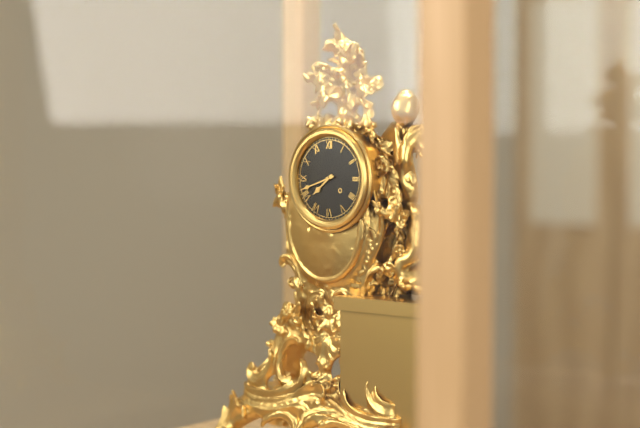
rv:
7 h 42 min
